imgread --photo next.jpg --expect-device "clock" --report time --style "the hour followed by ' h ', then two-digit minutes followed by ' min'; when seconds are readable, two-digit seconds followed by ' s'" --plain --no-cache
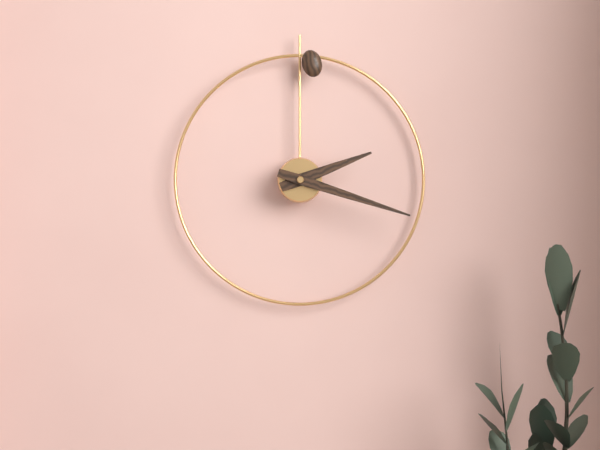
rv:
2 h 18 min
